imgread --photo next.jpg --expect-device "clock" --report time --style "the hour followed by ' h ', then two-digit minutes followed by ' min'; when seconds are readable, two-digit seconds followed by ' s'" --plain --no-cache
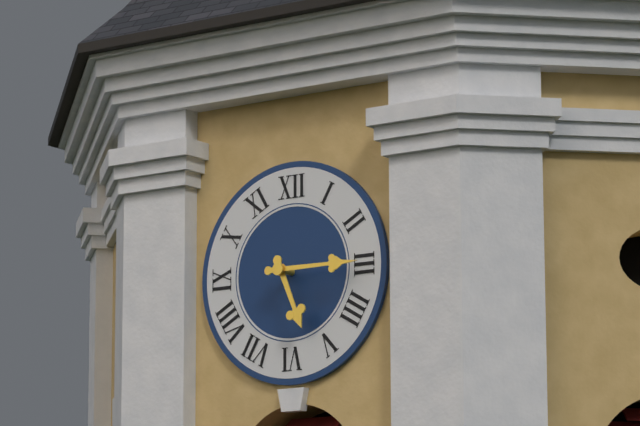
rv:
5 h 15 min
